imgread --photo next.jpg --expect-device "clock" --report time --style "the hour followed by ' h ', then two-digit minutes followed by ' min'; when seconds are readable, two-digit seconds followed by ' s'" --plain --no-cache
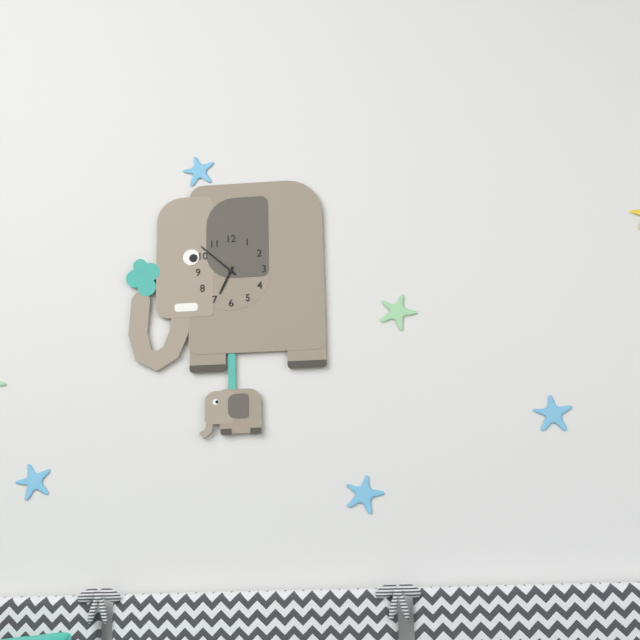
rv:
6 h 52 min
